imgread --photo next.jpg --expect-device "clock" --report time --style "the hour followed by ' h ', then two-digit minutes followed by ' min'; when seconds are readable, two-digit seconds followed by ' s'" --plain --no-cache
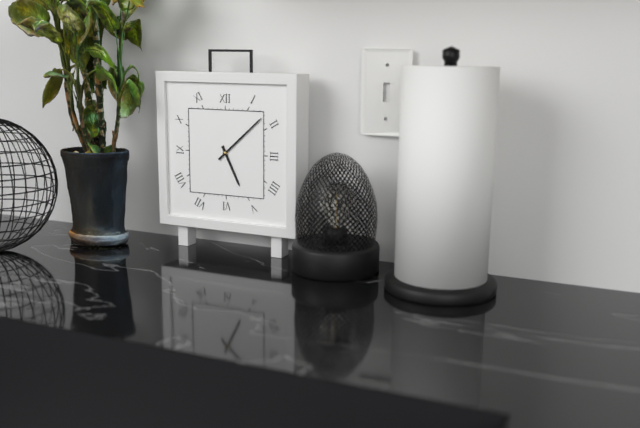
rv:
5 h 08 min
